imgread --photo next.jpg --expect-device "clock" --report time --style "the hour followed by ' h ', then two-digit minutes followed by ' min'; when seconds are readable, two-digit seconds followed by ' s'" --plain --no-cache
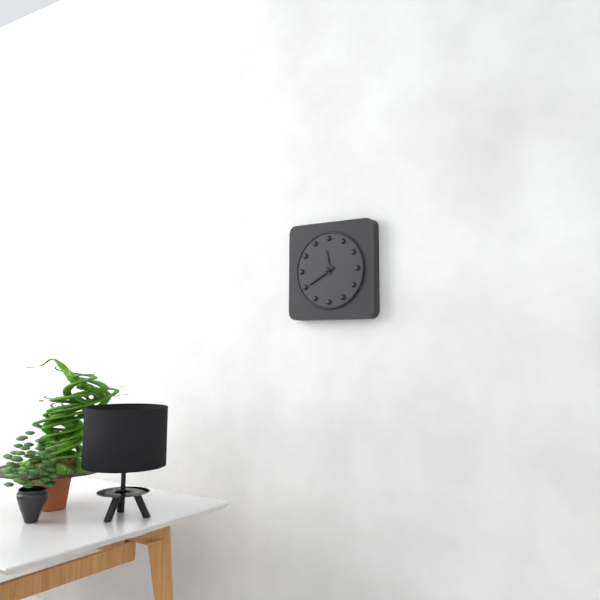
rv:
11 h 40 min
